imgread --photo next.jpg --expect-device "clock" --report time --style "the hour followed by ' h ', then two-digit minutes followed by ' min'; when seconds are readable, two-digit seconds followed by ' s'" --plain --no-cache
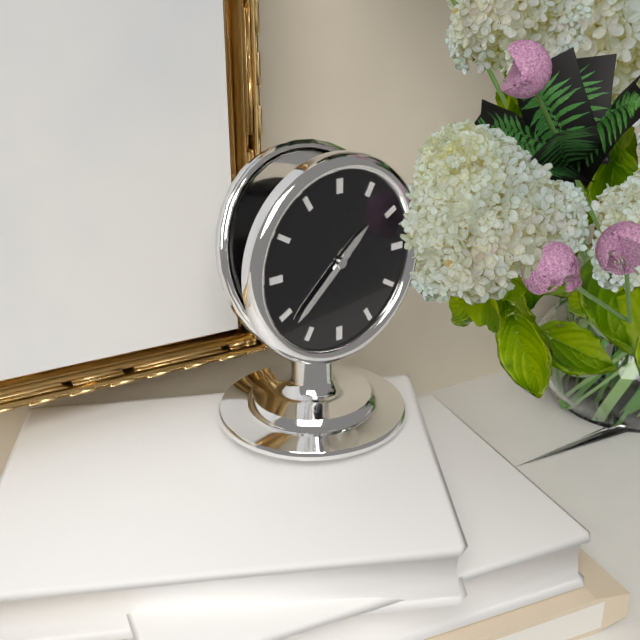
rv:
1 h 38 min
